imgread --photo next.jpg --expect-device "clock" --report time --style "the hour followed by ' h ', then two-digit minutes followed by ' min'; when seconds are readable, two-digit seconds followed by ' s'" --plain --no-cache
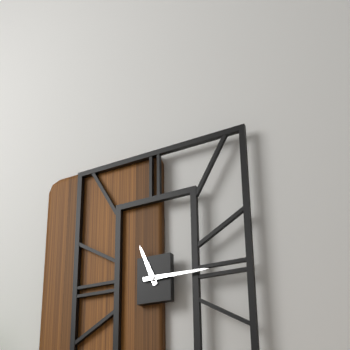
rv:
11 h 15 min
